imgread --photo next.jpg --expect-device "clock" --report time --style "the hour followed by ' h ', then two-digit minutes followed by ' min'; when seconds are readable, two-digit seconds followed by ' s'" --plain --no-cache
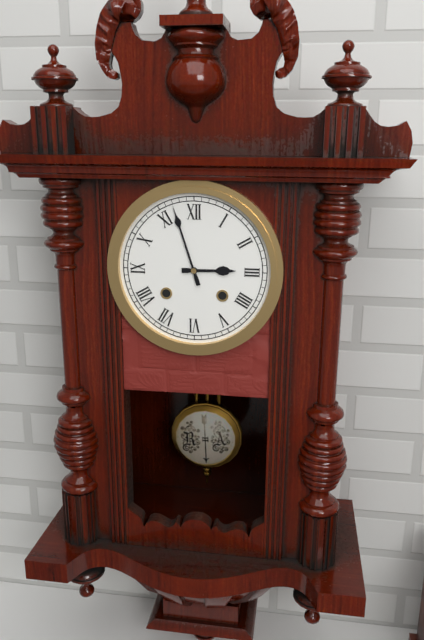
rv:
2 h 57 min
